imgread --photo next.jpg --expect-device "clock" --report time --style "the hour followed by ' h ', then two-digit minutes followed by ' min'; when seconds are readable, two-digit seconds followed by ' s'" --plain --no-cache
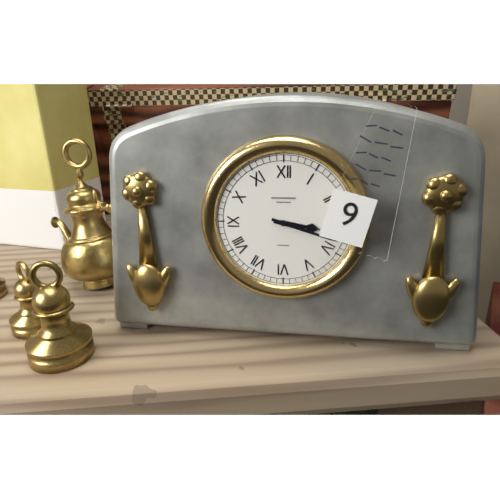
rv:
3 h 18 min
